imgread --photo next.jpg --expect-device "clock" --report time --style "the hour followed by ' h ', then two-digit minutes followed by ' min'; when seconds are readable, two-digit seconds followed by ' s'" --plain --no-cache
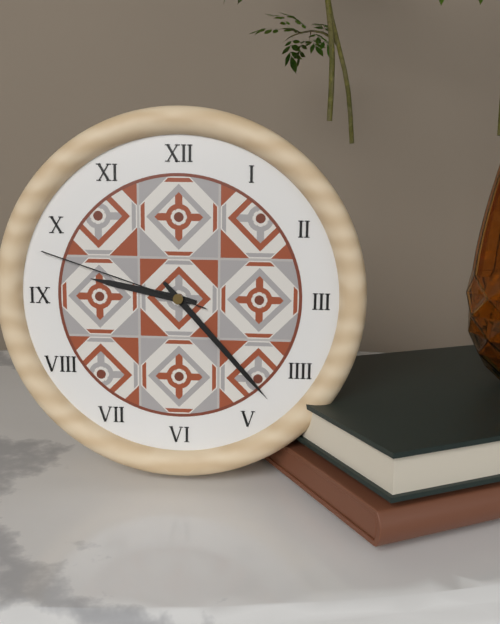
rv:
9 h 23 min 48 s
